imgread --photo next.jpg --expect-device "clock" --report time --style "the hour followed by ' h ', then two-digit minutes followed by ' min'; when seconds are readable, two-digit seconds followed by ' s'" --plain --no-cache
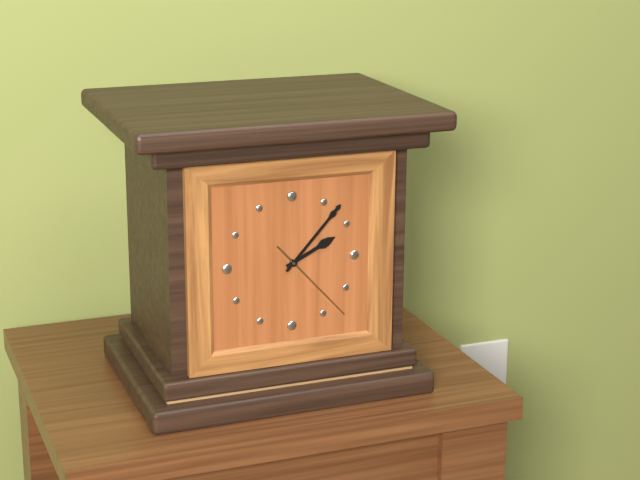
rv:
2 h 07 min 23 s
